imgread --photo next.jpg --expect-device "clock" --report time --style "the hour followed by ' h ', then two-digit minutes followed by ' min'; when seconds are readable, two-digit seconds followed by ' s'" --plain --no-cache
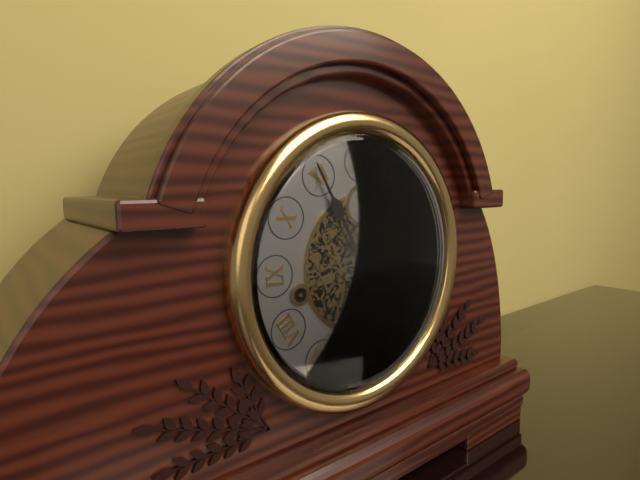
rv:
2 h 55 min
